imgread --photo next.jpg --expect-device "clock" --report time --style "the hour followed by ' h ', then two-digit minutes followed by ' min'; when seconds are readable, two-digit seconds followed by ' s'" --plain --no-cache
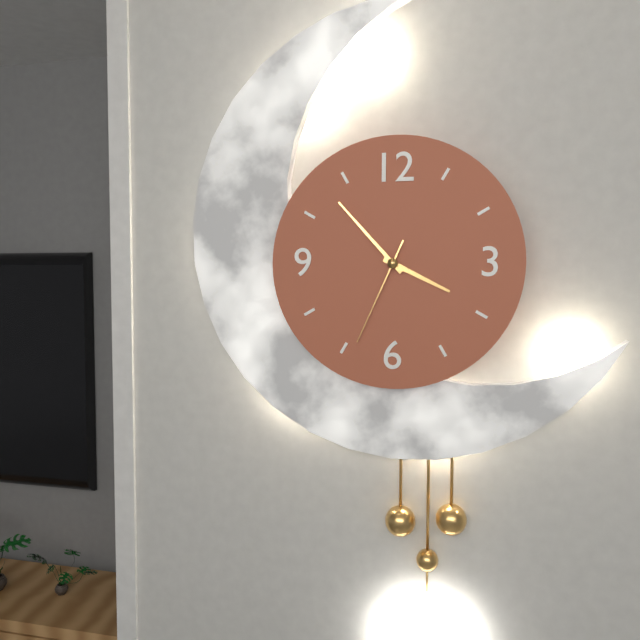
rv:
3 h 53 min 34 s
